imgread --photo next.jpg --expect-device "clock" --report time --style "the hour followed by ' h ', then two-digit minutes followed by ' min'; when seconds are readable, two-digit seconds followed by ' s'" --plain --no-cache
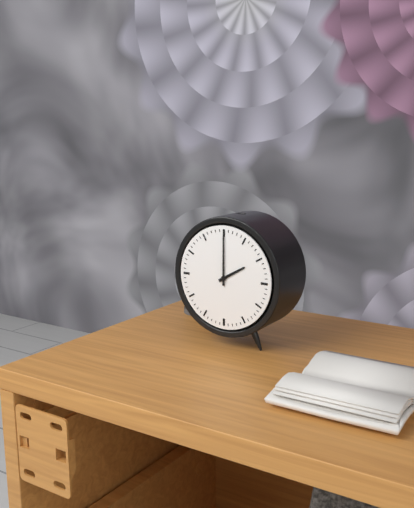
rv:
2 h 00 min
